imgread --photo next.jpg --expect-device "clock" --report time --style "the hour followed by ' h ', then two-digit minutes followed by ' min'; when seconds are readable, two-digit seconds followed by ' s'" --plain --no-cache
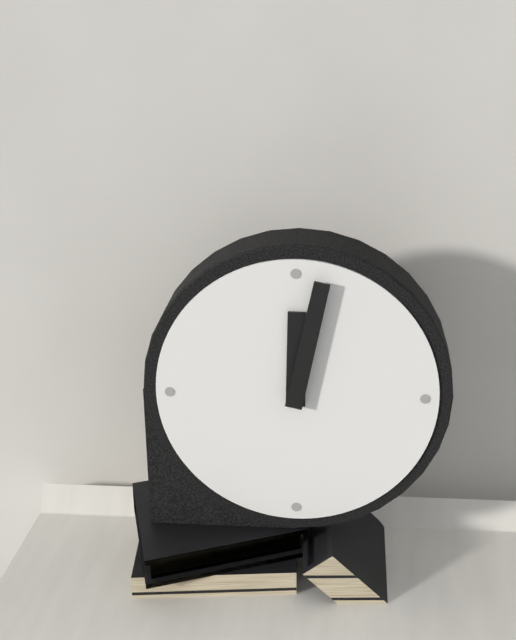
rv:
12 h 02 min
